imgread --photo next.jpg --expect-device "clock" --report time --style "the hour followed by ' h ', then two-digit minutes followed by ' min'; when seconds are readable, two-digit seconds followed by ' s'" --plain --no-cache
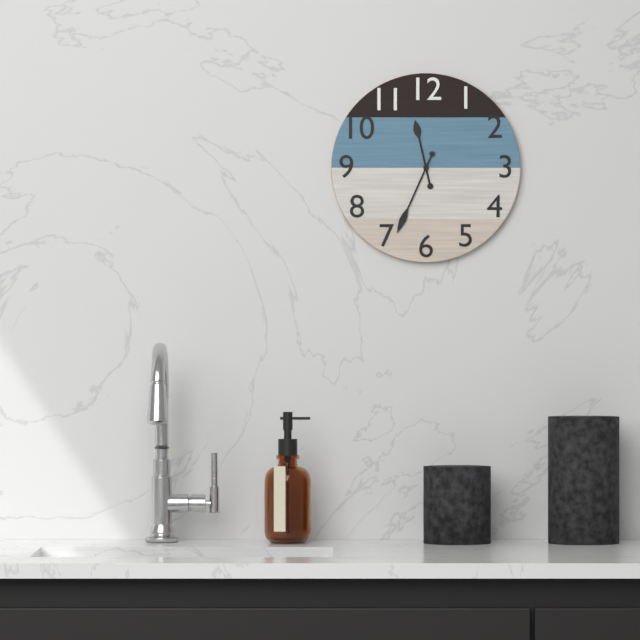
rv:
11 h 34 min
